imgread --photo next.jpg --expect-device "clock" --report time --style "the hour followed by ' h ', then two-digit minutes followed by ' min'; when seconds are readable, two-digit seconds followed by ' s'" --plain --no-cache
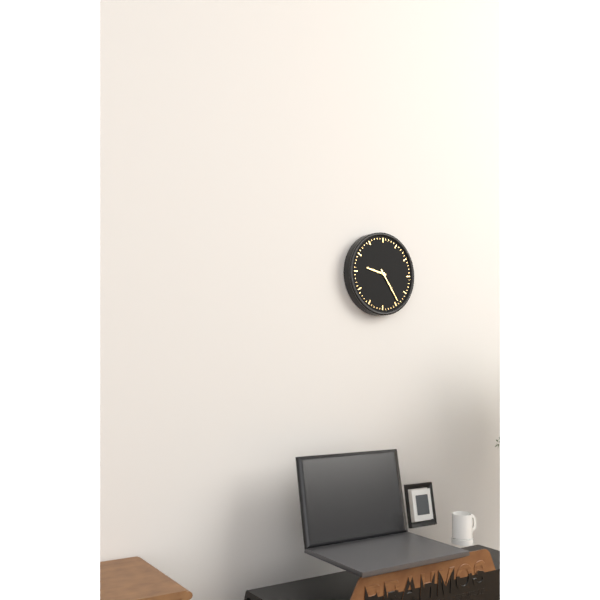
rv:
9 h 24 min
